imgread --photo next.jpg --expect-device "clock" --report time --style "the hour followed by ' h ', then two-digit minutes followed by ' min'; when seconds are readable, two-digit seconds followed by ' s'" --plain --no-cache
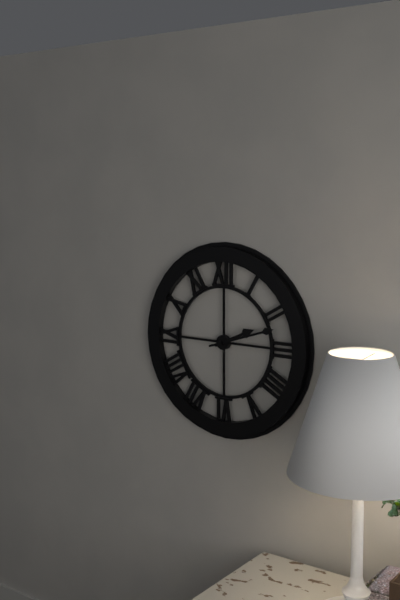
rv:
2 h 12 min
